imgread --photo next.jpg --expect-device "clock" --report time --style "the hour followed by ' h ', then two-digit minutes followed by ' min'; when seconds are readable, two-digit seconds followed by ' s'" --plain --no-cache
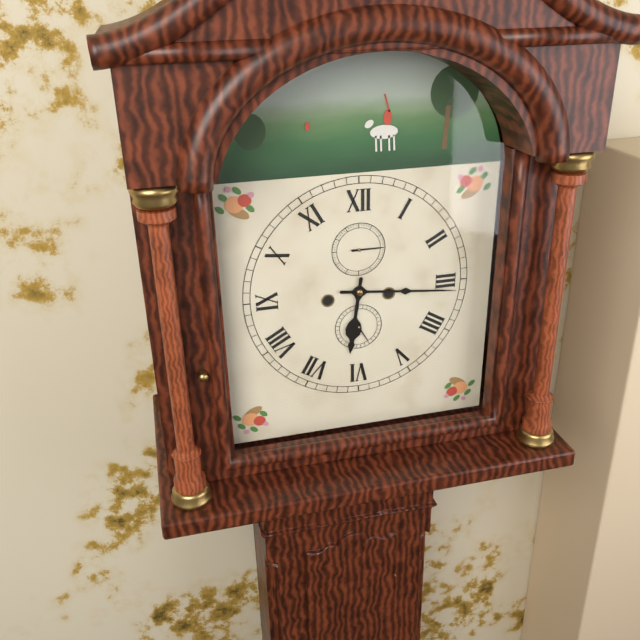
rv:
6 h 16 min
